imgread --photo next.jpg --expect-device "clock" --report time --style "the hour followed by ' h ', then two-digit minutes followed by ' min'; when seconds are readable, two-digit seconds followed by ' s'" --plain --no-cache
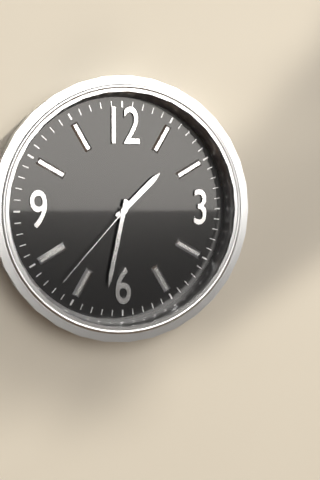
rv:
1 h 32 min 37 s
